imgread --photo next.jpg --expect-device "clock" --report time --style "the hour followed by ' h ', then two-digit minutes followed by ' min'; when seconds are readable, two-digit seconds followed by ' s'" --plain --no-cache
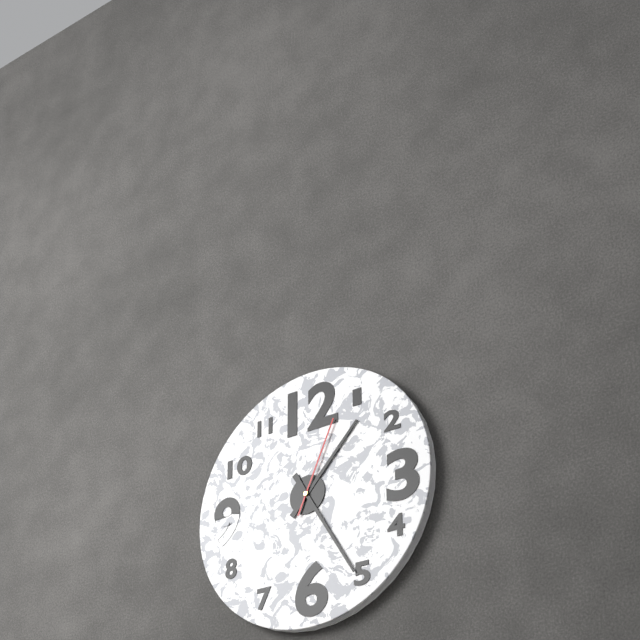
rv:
1 h 25 min 04 s
